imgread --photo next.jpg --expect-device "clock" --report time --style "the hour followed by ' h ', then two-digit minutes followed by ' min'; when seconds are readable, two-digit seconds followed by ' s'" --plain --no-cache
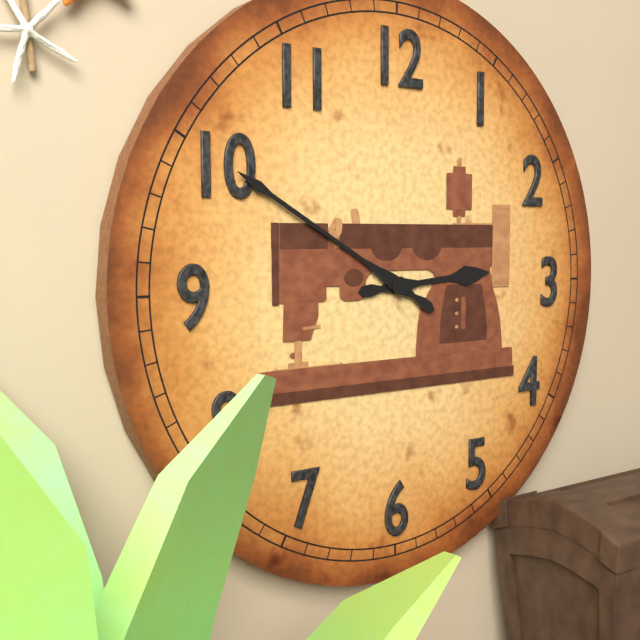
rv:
2 h 50 min
